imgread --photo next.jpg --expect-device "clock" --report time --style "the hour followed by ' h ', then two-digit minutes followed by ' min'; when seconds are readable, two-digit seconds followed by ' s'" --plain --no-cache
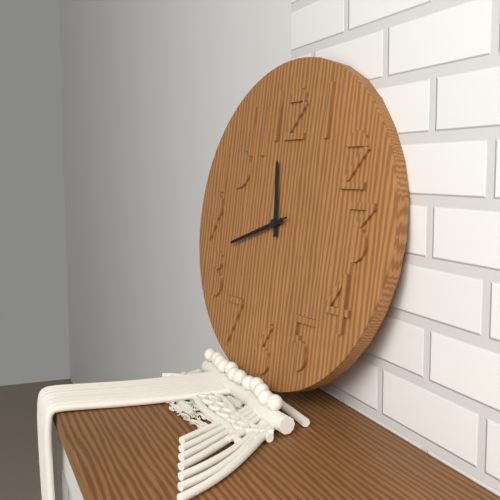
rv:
11 h 42 min 42 s
